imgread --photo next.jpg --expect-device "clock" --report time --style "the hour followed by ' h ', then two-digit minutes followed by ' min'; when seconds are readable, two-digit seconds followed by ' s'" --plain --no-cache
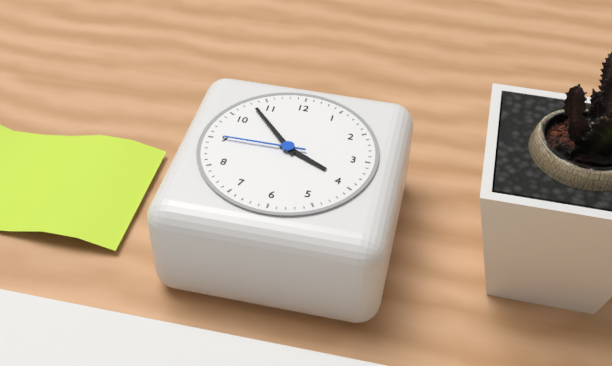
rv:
3 h 53 min 45 s
